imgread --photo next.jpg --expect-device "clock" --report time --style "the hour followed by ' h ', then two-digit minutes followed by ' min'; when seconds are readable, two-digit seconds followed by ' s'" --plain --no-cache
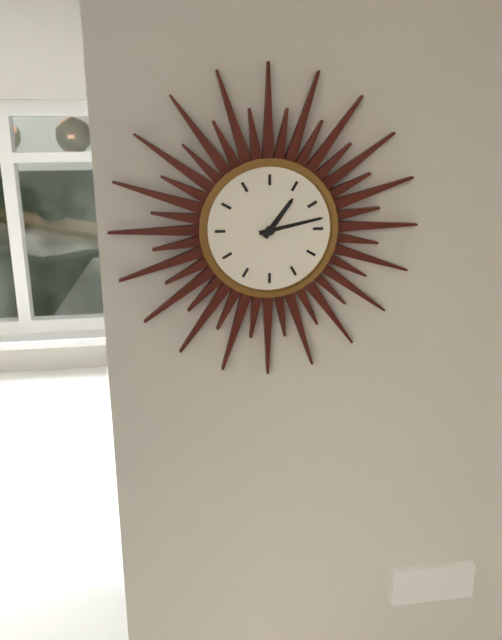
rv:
1 h 13 min
